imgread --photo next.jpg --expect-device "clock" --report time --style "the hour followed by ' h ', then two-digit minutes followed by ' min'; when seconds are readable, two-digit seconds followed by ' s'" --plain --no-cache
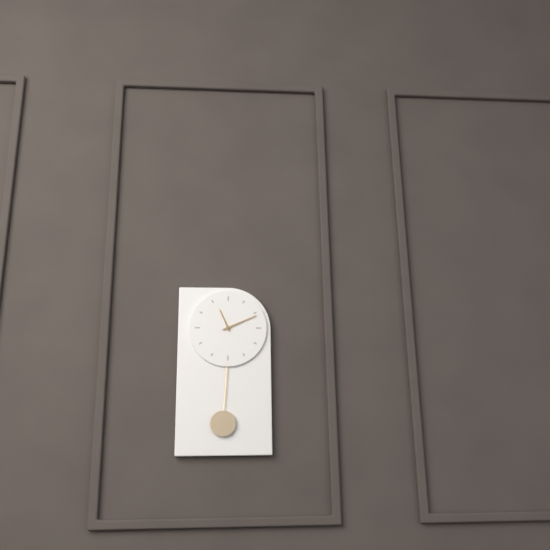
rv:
11 h 11 min
